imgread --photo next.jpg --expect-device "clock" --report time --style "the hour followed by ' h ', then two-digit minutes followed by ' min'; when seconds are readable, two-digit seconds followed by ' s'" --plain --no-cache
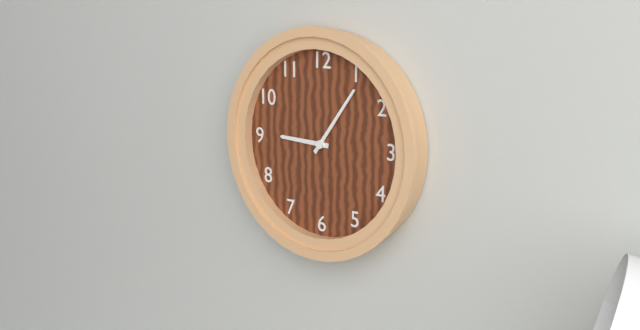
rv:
9 h 06 min
